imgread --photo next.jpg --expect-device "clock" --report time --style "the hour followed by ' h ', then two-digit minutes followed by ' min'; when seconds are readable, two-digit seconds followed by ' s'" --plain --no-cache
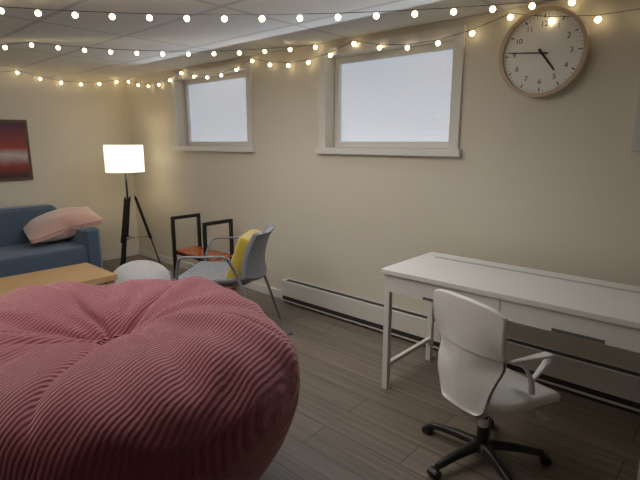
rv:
4 h 46 min
